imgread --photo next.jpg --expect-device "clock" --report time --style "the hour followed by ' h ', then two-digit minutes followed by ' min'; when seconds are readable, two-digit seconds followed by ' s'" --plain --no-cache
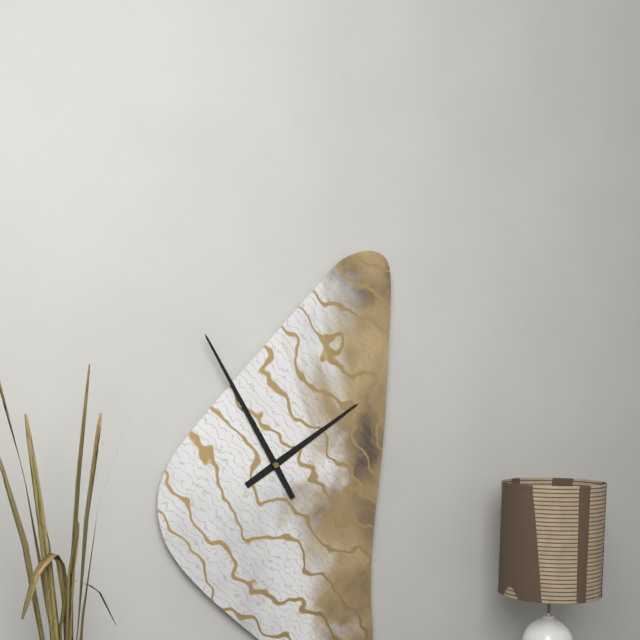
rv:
1 h 55 min
